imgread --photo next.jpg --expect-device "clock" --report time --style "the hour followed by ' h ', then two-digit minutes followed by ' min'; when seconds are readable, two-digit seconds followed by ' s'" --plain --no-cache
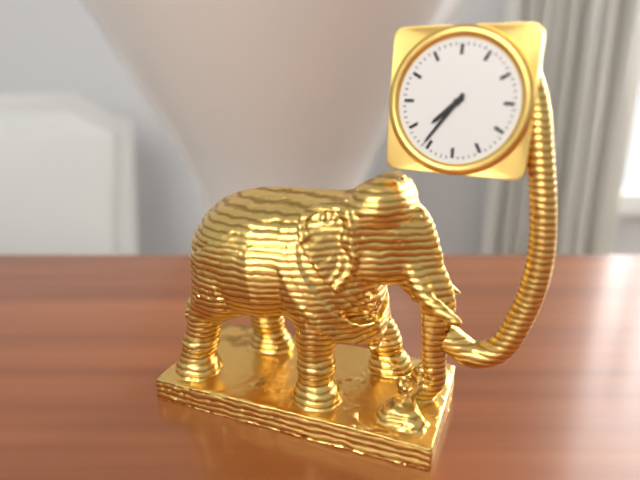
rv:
7 h 36 min
